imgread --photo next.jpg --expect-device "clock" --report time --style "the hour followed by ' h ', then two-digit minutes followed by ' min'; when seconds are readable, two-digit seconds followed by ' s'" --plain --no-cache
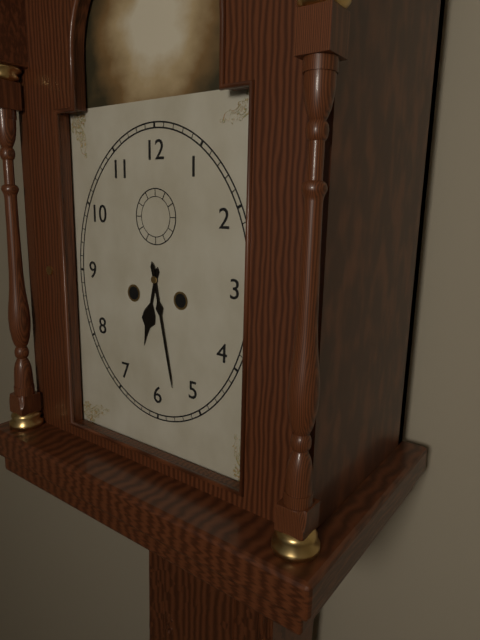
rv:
6 h 28 min
